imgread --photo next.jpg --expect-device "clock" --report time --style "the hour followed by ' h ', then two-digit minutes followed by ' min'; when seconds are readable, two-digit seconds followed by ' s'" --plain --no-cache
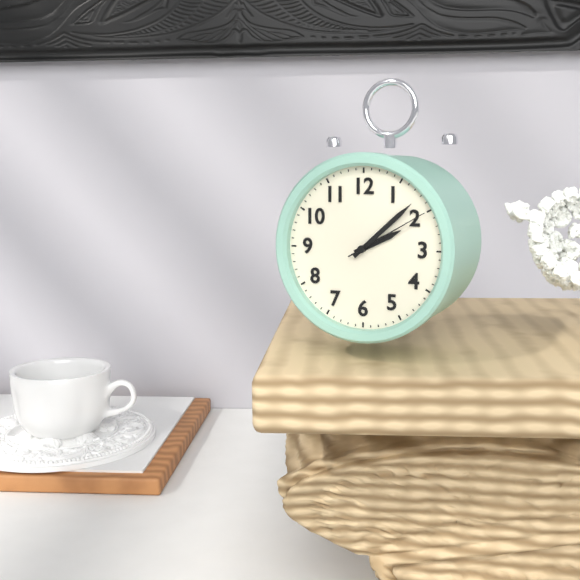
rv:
2 h 08 min 10 s
